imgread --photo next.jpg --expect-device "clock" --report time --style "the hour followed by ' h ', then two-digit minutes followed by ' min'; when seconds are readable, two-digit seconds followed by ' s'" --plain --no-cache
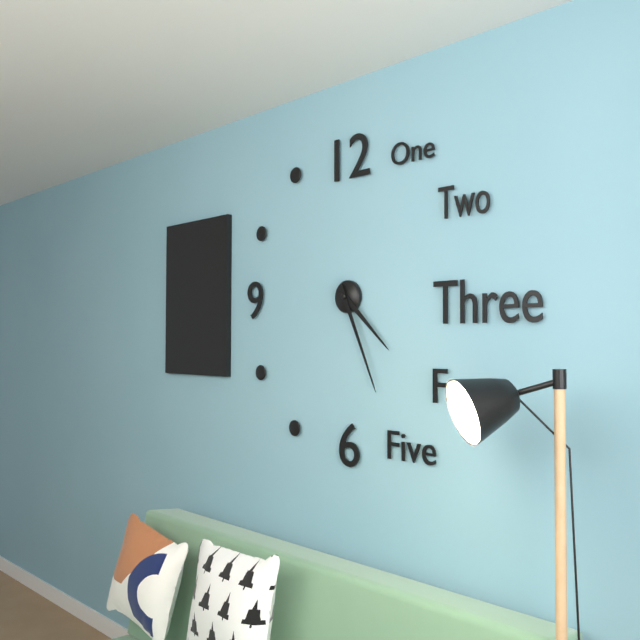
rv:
4 h 26 min
